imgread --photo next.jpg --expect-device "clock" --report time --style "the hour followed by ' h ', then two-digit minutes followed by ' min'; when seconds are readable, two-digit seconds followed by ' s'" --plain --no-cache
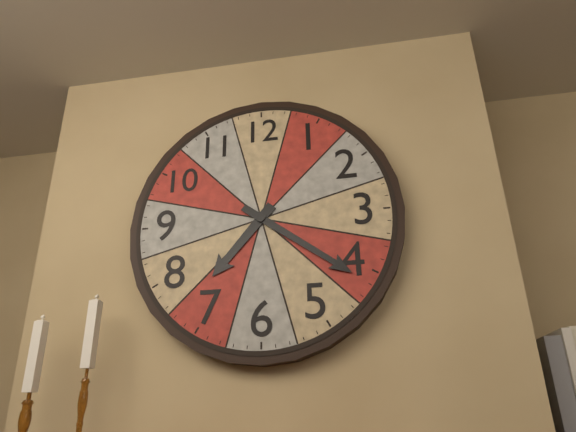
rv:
7 h 21 min
